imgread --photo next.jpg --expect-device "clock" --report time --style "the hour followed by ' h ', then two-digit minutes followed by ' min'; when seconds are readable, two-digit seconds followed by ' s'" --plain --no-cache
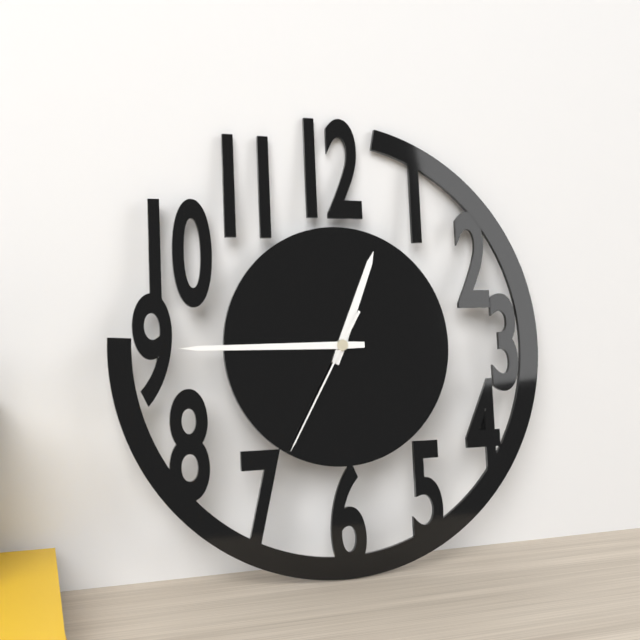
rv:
12 h 45 min 35 s
